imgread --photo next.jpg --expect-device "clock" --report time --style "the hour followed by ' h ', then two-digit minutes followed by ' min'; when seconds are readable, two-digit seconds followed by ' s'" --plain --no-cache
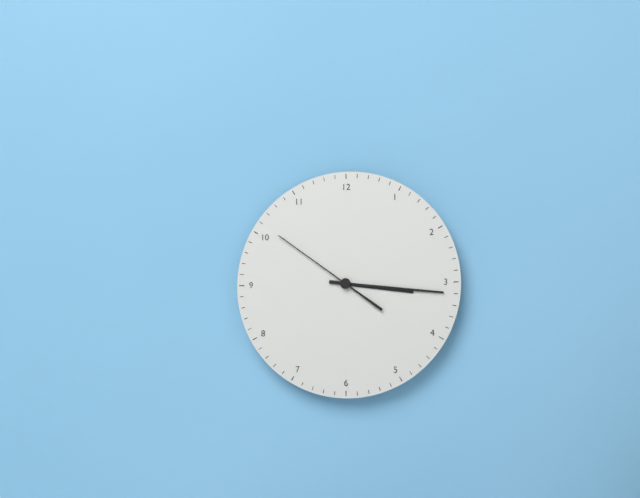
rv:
3 h 16 min 51 s
